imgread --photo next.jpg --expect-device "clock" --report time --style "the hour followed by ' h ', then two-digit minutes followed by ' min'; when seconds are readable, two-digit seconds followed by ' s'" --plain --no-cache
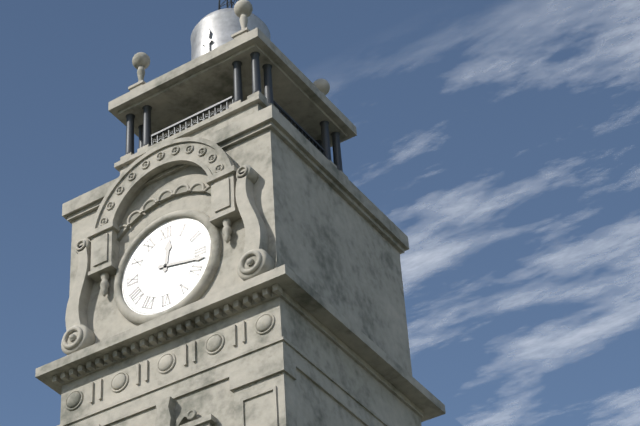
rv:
12 h 17 min
